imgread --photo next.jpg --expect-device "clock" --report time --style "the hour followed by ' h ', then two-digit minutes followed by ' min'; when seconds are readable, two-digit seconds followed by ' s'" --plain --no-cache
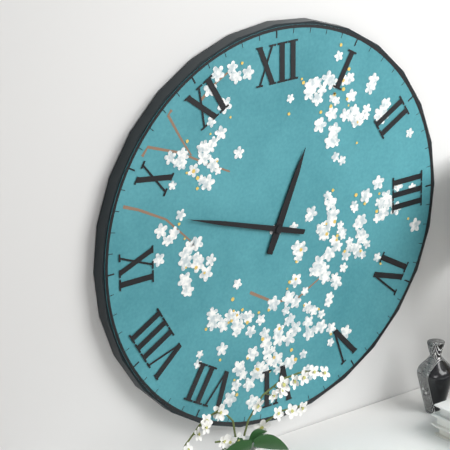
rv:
12 h 48 min
